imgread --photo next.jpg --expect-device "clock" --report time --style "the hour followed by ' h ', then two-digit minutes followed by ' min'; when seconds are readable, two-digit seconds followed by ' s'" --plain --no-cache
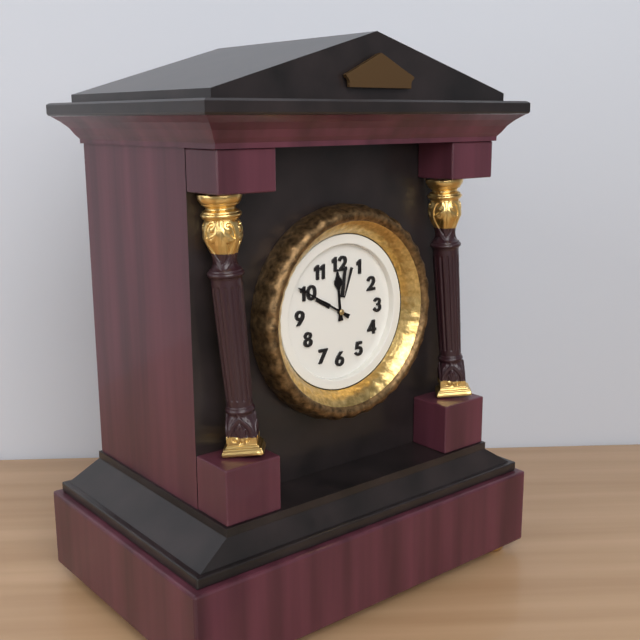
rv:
11 h 50 min
